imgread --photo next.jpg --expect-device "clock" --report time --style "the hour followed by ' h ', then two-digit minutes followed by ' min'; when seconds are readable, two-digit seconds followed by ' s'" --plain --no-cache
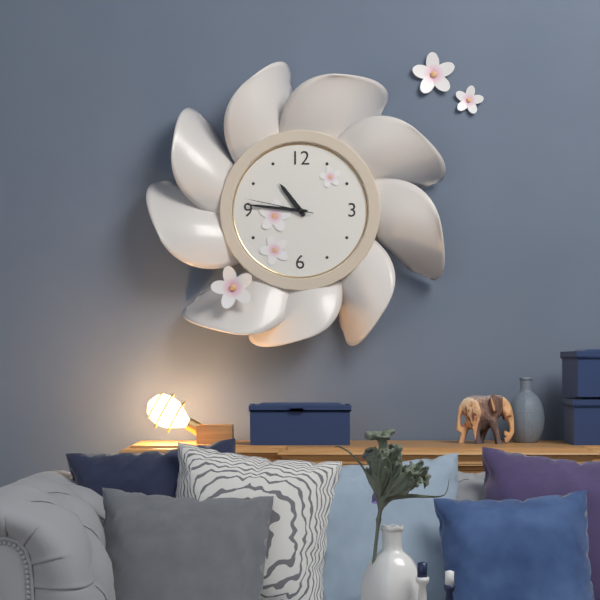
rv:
10 h 46 min 47 s
